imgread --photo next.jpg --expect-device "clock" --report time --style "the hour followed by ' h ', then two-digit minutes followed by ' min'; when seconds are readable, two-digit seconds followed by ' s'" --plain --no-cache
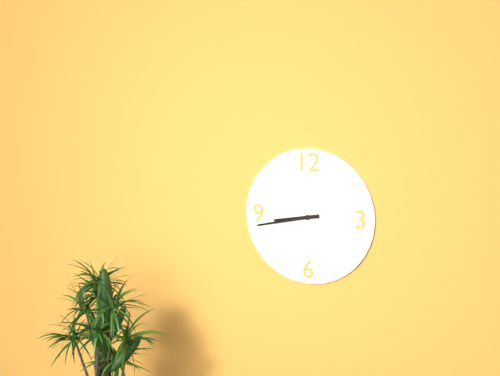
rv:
8 h 43 min
